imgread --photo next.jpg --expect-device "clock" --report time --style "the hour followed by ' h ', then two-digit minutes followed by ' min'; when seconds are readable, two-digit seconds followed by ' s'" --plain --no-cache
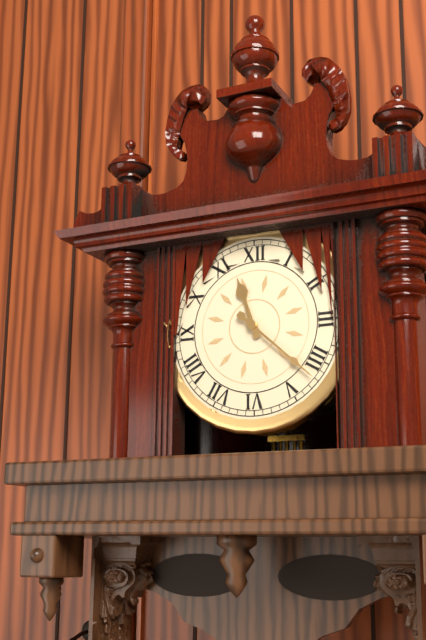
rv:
11 h 22 min
